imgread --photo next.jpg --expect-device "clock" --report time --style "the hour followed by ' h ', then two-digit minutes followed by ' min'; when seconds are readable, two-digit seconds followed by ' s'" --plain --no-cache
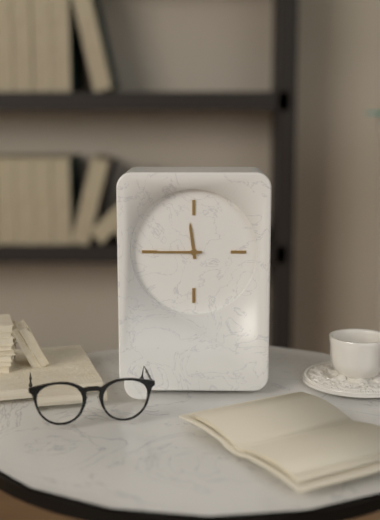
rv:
11 h 45 min
